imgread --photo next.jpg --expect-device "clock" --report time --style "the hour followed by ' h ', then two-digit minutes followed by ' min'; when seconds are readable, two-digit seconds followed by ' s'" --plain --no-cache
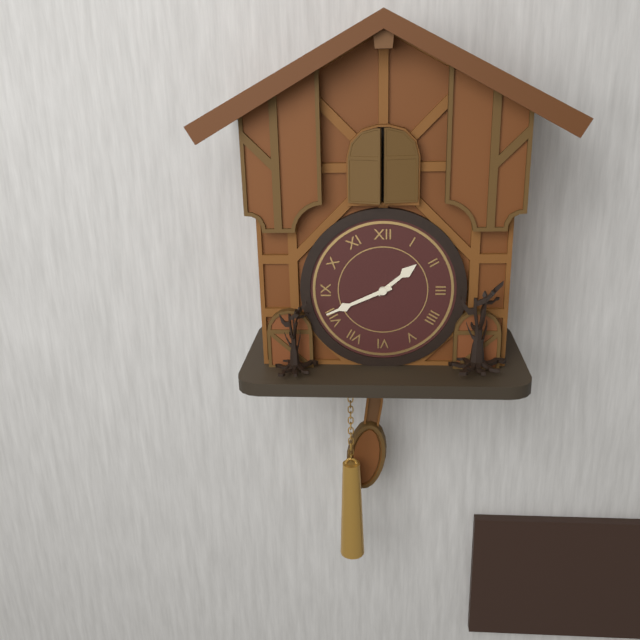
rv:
1 h 41 min
